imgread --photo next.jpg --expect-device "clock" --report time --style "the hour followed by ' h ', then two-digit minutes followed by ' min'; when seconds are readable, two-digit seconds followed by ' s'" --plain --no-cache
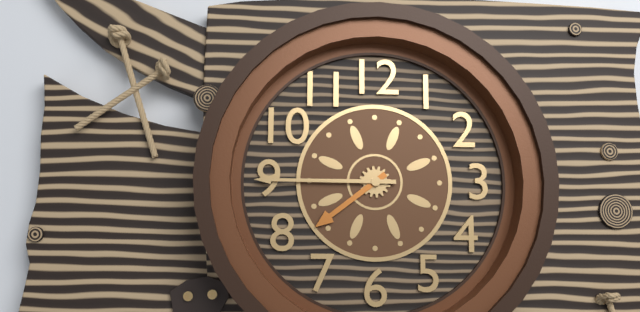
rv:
7 h 45 min
